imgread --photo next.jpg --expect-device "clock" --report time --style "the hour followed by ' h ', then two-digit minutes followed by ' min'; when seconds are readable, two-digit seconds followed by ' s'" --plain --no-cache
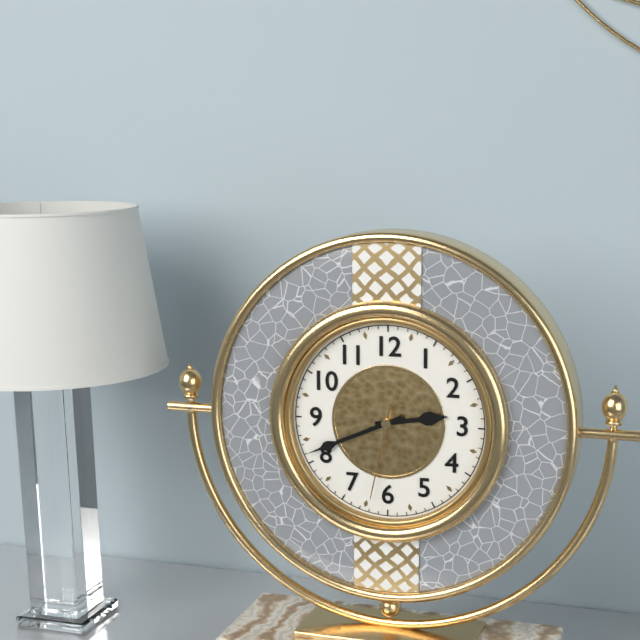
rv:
2 h 41 min 32 s
